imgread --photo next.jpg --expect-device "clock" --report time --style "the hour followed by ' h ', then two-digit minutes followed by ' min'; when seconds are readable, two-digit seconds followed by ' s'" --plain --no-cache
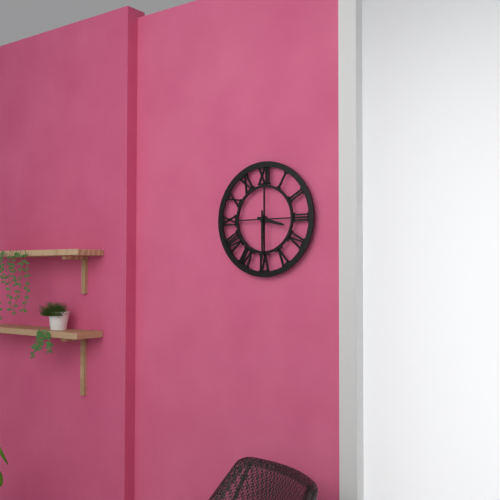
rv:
3 h 30 min
